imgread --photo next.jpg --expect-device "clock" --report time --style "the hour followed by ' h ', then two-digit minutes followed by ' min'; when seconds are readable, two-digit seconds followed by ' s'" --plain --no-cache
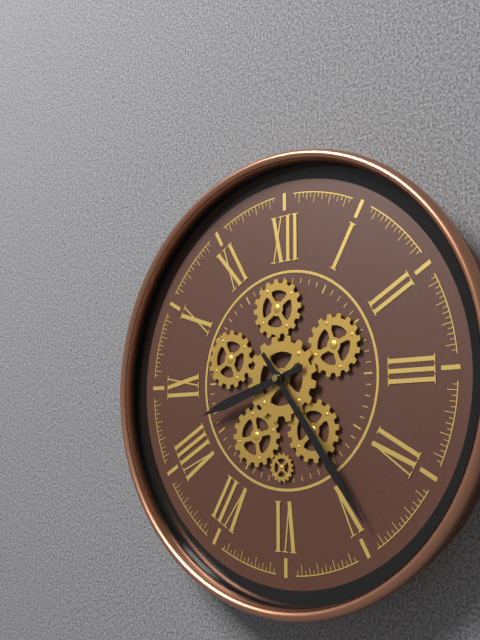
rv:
8 h 24 min
